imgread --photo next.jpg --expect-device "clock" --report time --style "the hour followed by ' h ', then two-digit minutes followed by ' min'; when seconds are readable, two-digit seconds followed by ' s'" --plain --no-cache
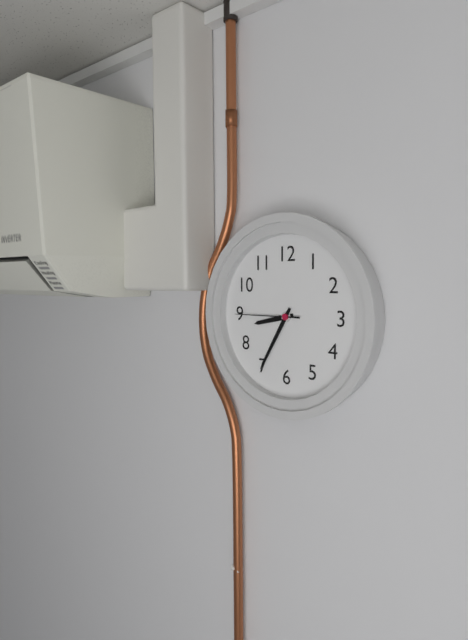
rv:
8 h 35 min 45 s
